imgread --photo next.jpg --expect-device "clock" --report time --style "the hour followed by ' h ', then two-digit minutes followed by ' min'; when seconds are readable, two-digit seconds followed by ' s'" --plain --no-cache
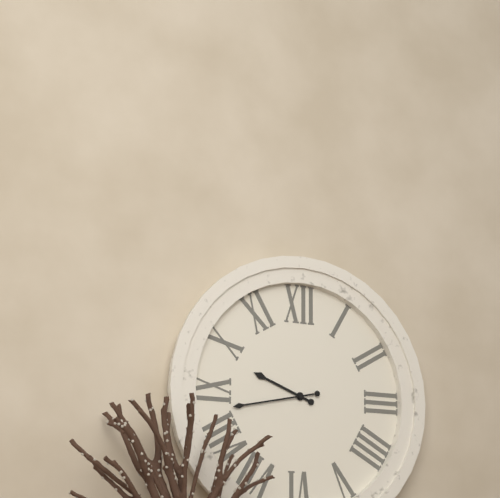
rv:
9 h 43 min
